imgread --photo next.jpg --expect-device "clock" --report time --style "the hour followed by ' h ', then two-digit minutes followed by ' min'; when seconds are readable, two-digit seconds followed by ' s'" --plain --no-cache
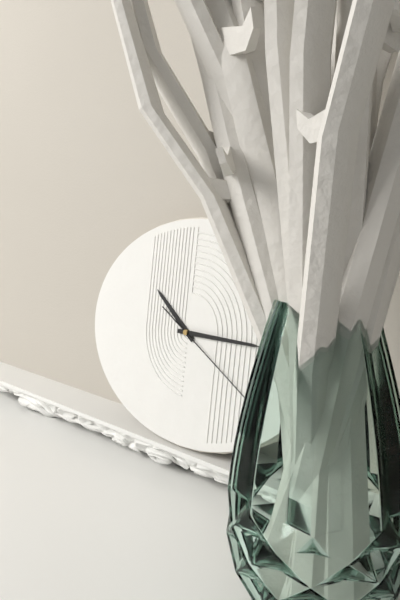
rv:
10 h 15 min 20 s
